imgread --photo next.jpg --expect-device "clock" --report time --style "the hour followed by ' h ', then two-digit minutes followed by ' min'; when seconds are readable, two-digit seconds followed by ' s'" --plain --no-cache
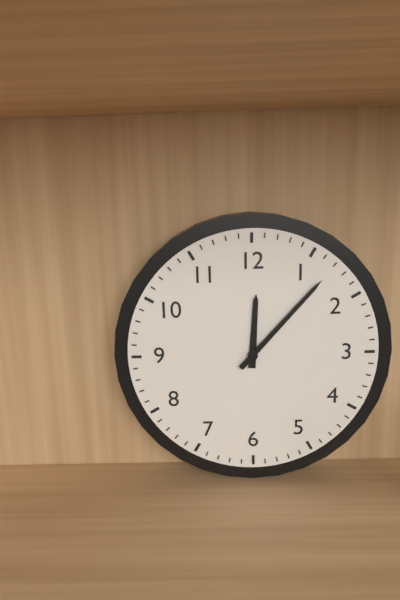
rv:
12 h 07 min
